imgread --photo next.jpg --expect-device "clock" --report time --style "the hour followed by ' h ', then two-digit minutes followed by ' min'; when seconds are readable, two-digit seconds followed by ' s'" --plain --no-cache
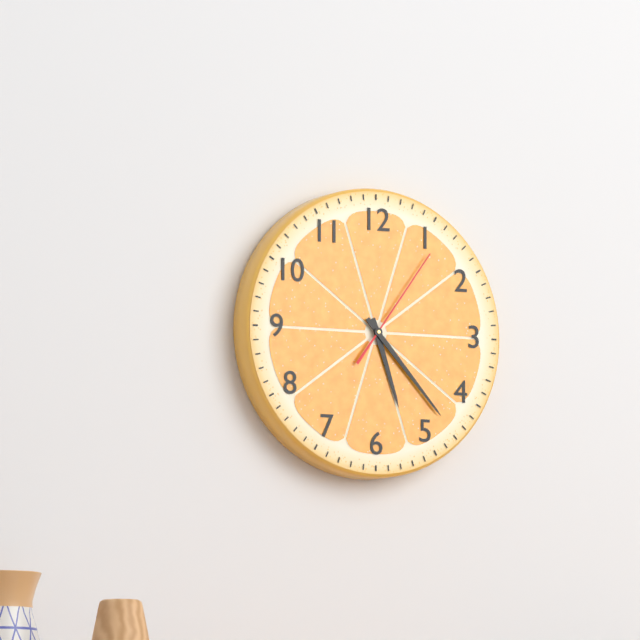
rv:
5 h 23 min 06 s
